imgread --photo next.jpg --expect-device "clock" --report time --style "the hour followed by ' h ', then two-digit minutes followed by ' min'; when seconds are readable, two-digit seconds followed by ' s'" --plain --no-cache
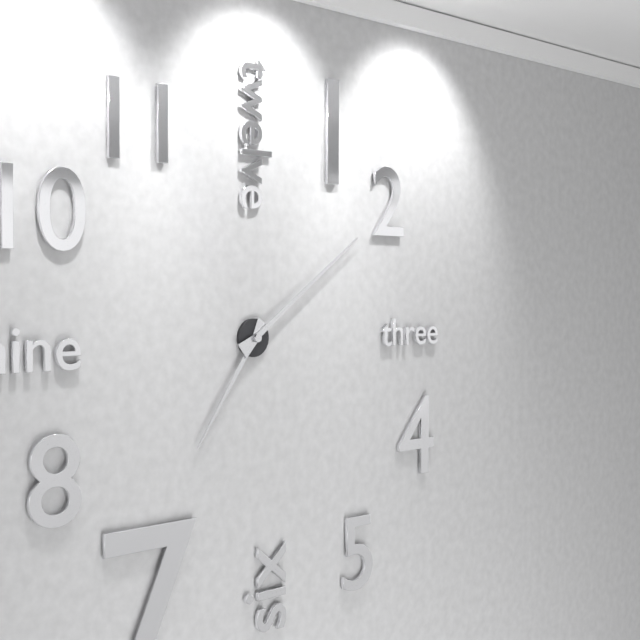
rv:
7 h 09 min
